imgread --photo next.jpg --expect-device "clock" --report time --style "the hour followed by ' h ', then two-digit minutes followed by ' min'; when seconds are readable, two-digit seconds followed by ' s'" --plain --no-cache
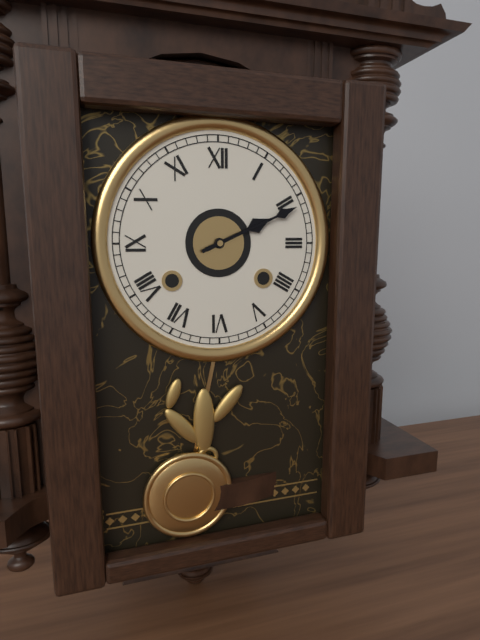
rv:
2 h 11 min
